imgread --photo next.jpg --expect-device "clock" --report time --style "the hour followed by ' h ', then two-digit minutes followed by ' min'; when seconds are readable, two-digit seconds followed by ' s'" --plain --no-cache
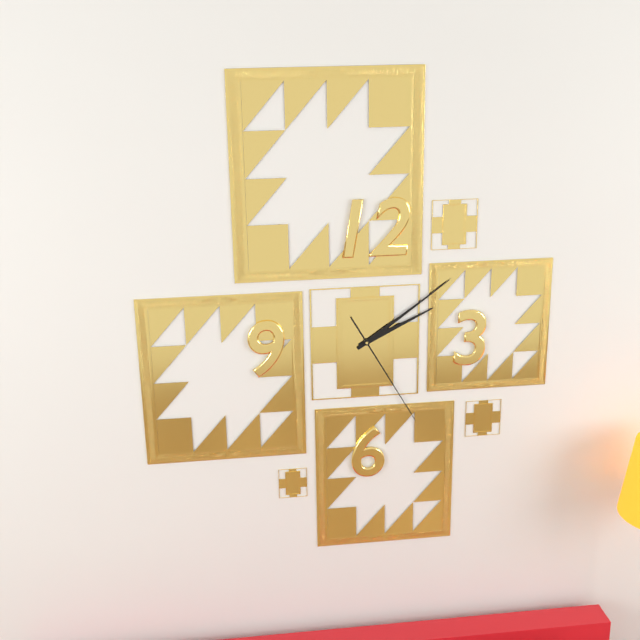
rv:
2 h 09 min 25 s
